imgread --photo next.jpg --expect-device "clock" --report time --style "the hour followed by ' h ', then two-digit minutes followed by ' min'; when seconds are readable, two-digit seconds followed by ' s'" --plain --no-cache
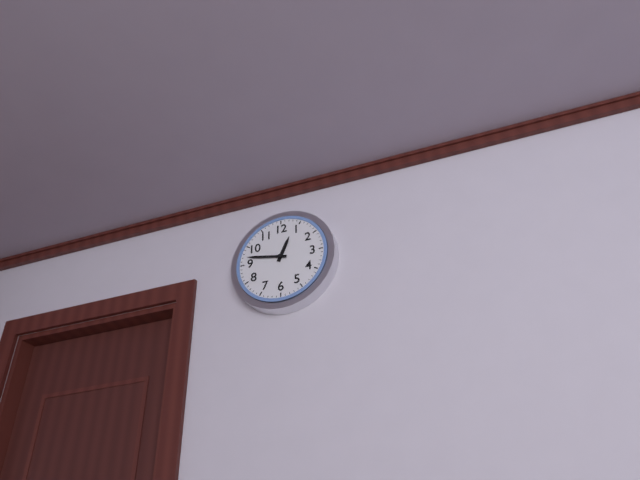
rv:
12 h 47 min
